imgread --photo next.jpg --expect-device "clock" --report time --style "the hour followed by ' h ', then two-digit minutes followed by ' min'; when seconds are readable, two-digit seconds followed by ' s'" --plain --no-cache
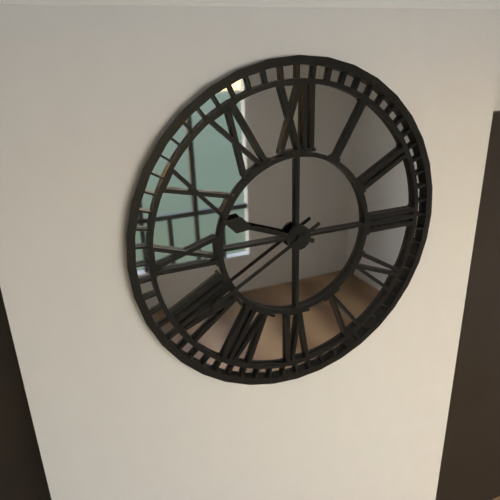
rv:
9 h 40 min
